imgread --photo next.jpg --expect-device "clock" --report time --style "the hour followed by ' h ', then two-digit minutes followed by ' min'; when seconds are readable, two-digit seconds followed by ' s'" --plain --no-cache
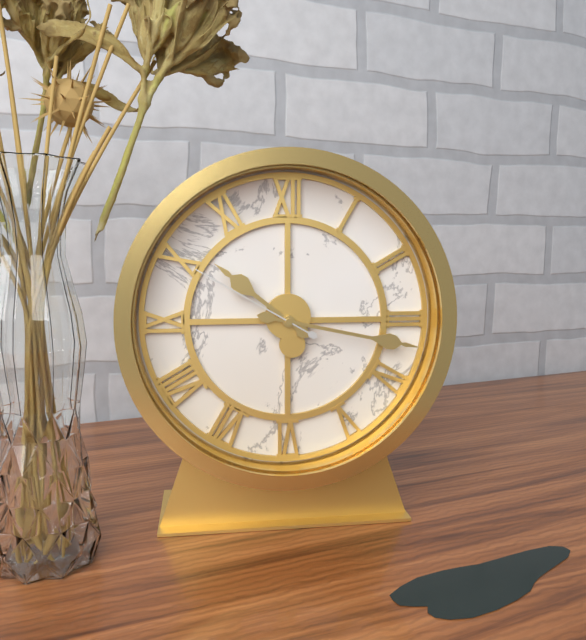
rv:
10 h 17 min 50 s
